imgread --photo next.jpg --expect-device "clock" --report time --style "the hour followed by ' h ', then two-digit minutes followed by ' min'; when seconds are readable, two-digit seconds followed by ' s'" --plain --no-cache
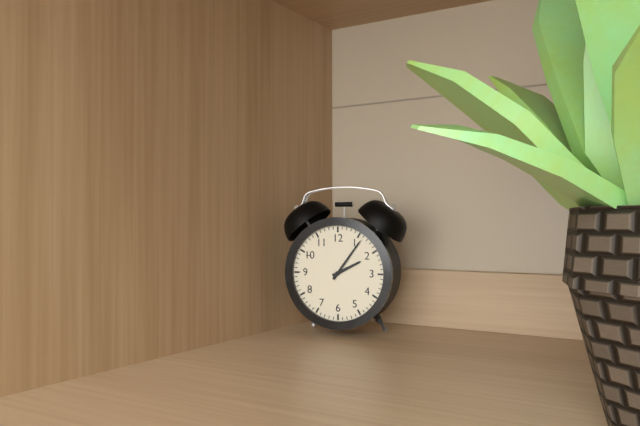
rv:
2 h 06 min
